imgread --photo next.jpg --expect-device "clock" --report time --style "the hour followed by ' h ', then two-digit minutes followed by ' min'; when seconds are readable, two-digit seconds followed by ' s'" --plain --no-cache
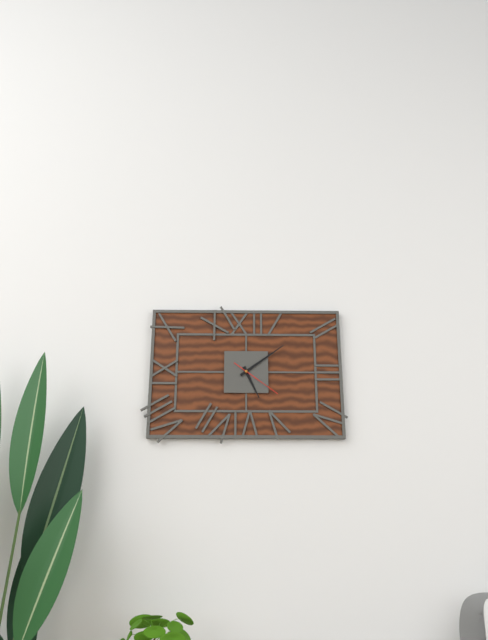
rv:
5 h 09 min
